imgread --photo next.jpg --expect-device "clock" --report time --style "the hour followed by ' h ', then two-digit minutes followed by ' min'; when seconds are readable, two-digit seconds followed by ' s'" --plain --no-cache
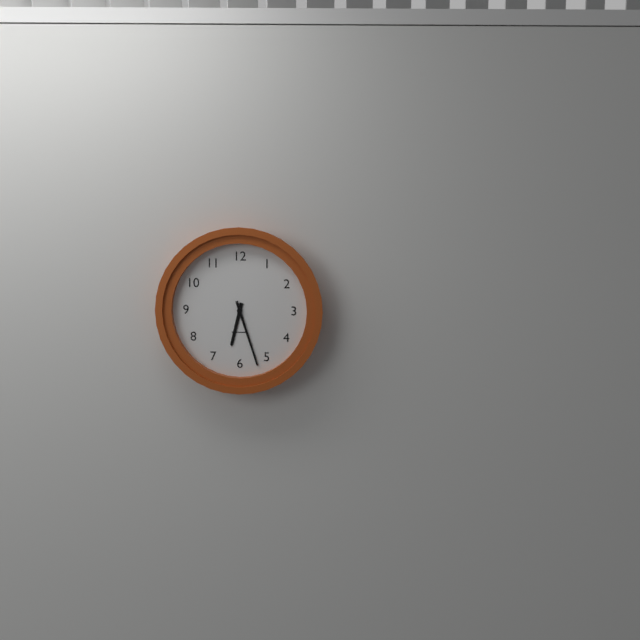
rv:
6 h 27 min
